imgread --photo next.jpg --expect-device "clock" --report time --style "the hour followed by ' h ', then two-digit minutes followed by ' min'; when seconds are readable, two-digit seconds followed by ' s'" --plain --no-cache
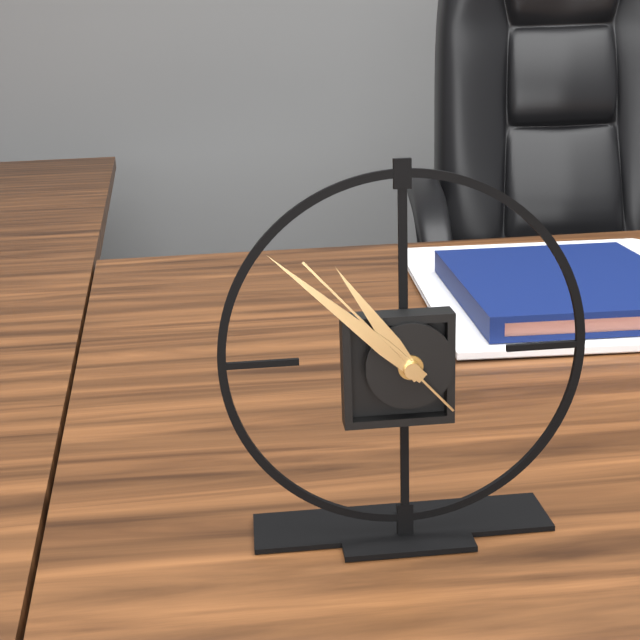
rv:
10 h 52 min 53 s
